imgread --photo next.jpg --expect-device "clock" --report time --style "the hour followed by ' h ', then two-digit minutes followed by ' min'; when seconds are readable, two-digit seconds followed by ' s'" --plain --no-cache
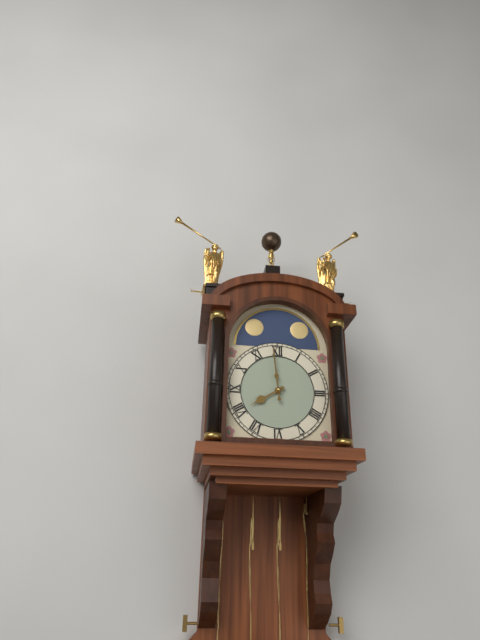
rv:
7 h 59 min
